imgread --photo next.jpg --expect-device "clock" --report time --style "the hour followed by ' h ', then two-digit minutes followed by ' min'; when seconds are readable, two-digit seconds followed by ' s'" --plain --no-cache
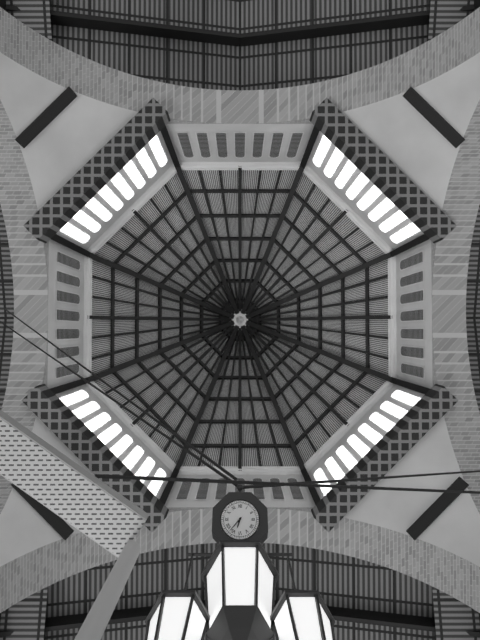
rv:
6 h 37 min
